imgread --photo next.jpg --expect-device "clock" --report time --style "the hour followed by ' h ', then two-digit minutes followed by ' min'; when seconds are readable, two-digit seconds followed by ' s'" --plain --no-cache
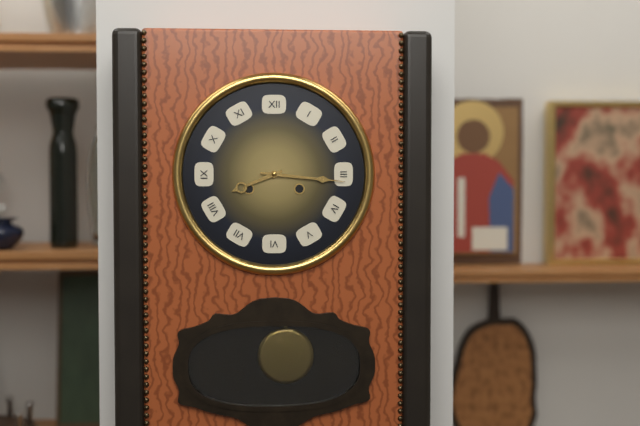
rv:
8 h 16 min
